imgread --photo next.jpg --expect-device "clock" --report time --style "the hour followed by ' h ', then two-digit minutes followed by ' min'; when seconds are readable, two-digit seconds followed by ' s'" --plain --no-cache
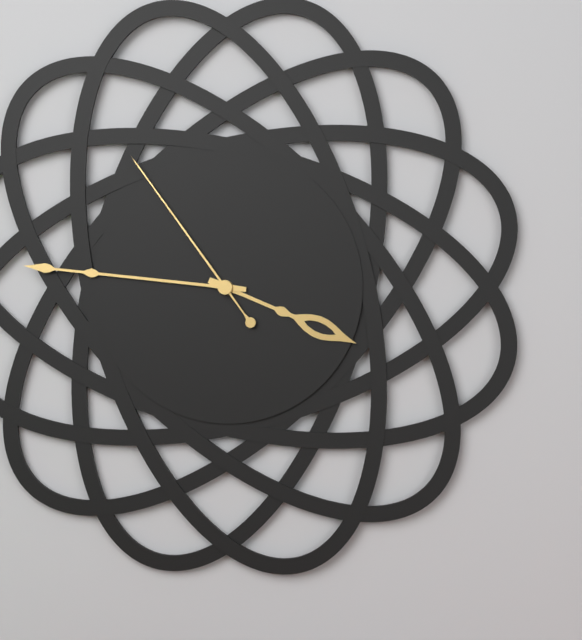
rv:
3 h 46 min 54 s
